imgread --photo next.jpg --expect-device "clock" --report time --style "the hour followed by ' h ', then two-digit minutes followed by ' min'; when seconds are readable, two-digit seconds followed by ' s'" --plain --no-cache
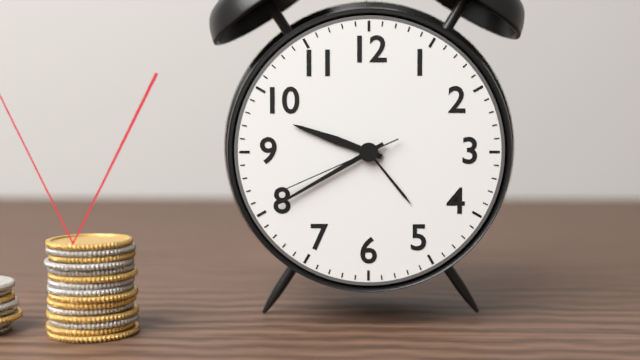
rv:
9 h 40 min 41 s
